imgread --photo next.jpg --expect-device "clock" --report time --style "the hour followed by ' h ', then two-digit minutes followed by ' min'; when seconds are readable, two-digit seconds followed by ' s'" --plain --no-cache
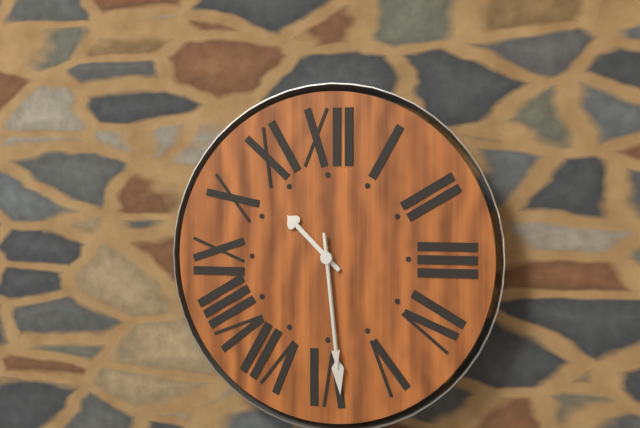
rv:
10 h 29 min 29 s
